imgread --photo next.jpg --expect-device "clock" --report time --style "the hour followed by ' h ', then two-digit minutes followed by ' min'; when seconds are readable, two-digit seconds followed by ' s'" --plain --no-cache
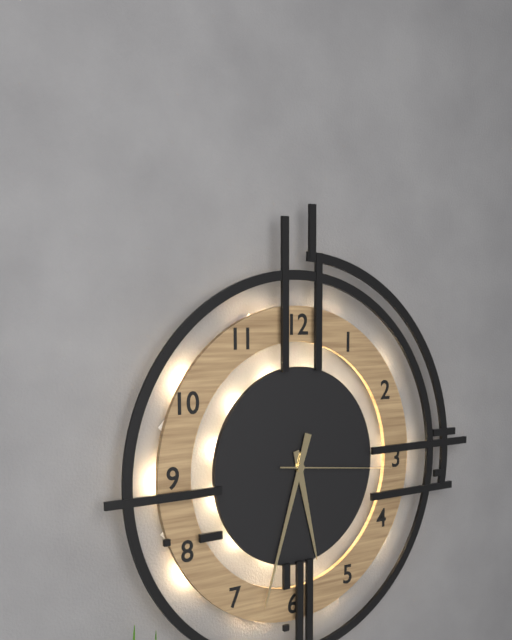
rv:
5 h 33 min 16 s
